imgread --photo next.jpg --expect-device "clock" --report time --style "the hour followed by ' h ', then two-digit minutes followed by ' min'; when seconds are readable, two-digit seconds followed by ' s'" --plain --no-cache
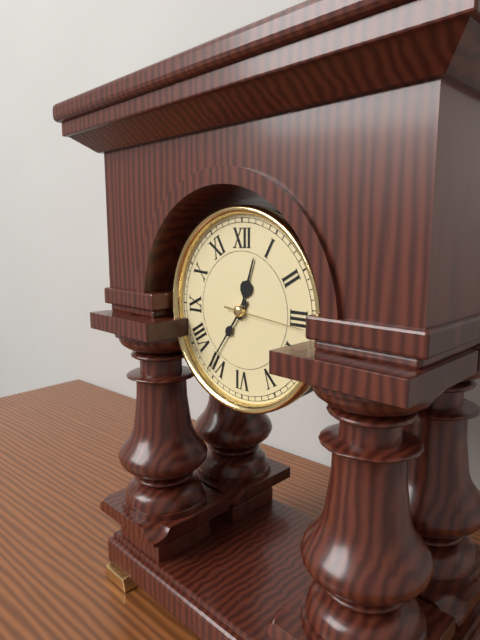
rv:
12 h 36 min 16 s
